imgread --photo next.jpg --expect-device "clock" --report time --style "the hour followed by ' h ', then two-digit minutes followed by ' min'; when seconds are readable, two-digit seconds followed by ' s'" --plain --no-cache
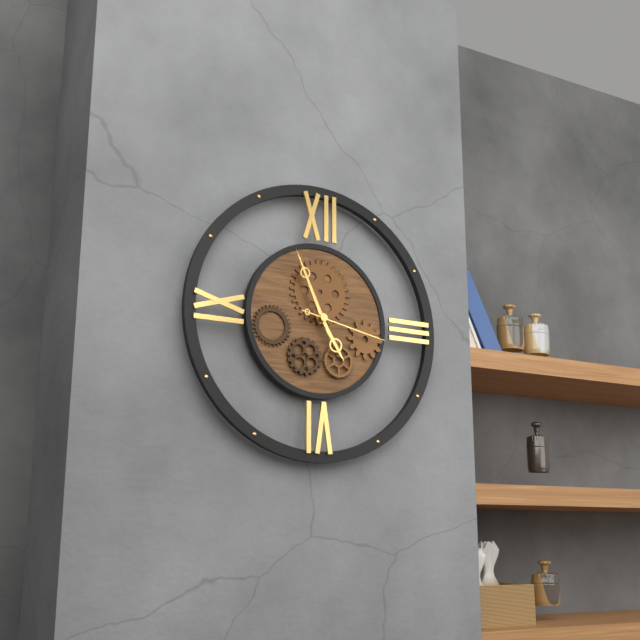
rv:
4 h 56 min 17 s
